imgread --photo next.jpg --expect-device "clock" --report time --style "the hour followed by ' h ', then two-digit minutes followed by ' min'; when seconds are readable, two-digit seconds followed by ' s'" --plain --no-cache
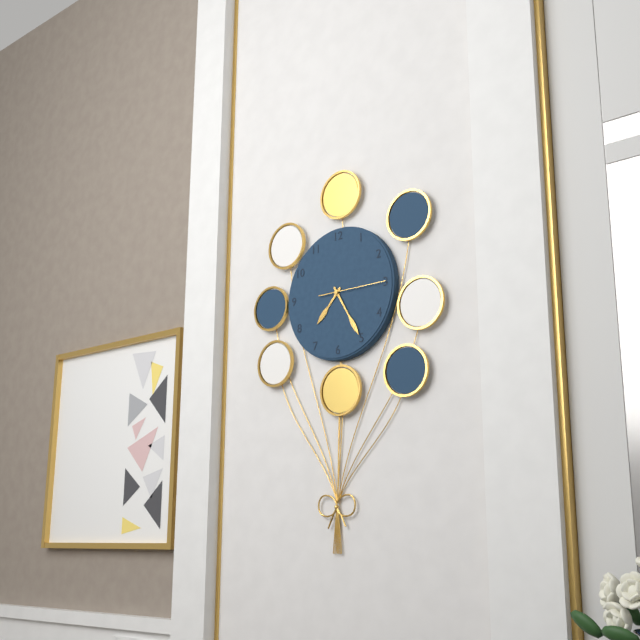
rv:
7 h 25 min 15 s
